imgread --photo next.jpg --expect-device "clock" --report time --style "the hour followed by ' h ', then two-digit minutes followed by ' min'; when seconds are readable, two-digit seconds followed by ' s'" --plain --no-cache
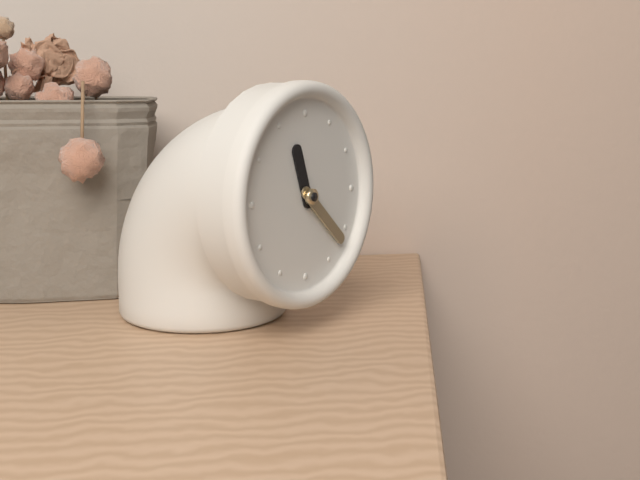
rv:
11 h 22 min
